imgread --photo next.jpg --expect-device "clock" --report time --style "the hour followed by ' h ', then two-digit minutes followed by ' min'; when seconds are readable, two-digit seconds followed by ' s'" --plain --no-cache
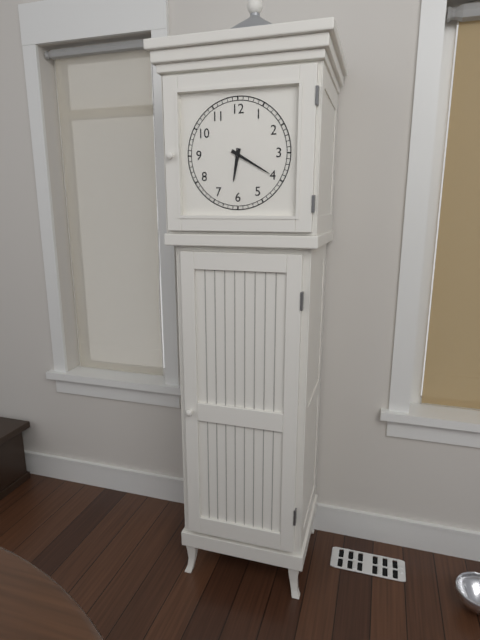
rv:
6 h 20 min
